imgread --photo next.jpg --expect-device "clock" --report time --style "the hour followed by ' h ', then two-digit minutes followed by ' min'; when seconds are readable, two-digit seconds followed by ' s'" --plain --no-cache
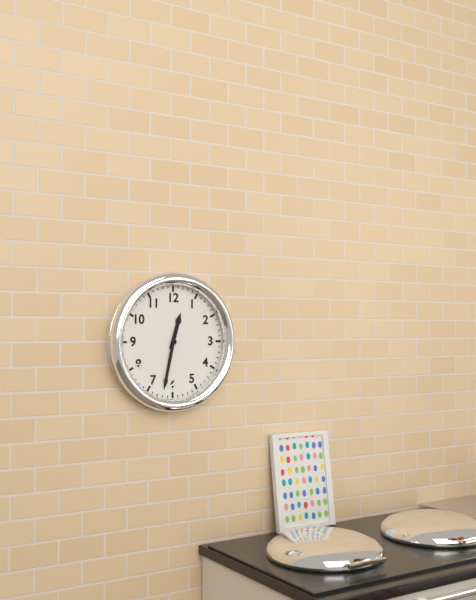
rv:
12 h 32 min
